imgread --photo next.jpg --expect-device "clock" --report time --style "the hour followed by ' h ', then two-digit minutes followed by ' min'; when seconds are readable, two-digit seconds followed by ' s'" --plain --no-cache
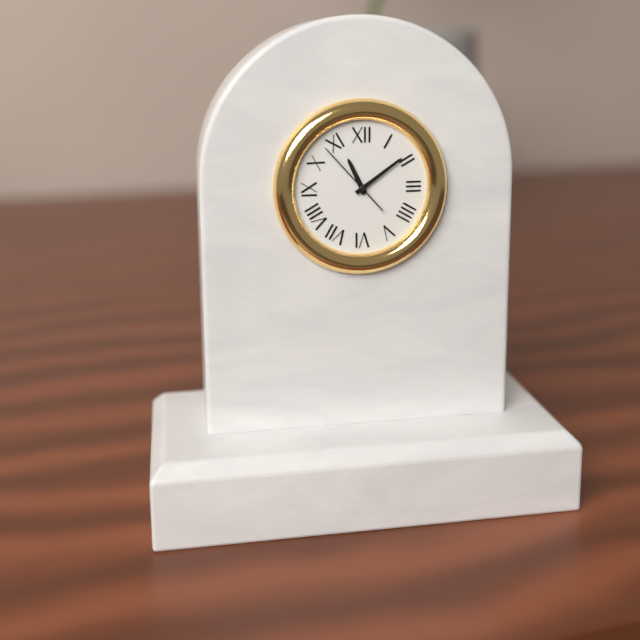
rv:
11 h 09 min 53 s
